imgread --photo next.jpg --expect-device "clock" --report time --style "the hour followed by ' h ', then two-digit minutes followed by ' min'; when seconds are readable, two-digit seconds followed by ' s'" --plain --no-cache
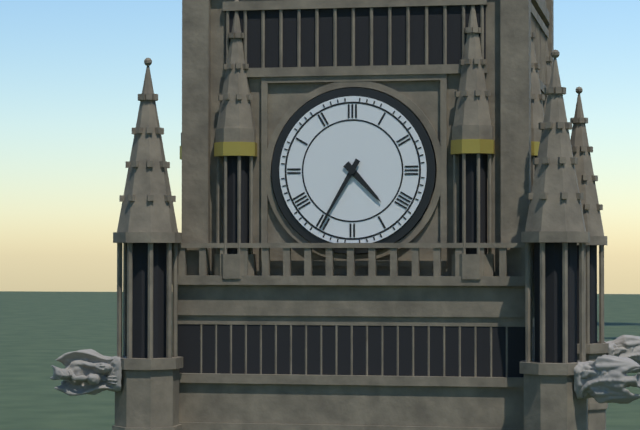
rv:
4 h 35 min
